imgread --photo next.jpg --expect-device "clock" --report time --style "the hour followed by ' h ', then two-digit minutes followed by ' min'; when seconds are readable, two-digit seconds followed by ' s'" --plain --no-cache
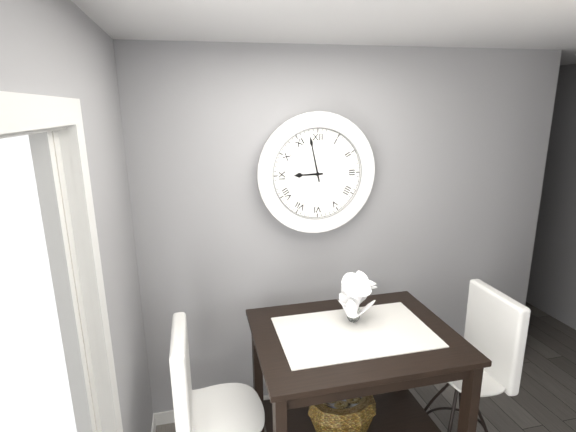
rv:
8 h 58 min
